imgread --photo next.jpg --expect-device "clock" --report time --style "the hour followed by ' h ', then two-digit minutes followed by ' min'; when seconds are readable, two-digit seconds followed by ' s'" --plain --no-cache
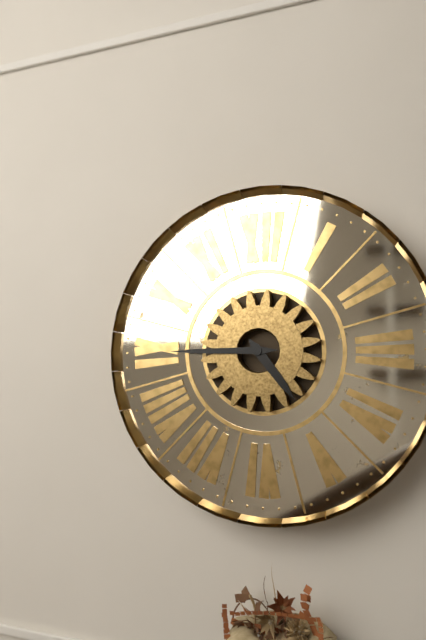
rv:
4 h 45 min
